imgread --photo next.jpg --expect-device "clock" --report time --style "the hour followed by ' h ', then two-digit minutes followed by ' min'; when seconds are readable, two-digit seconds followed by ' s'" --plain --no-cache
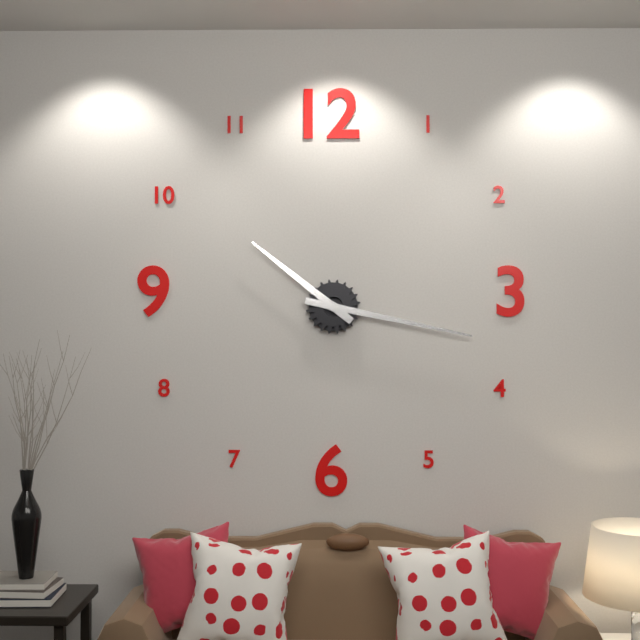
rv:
10 h 17 min
